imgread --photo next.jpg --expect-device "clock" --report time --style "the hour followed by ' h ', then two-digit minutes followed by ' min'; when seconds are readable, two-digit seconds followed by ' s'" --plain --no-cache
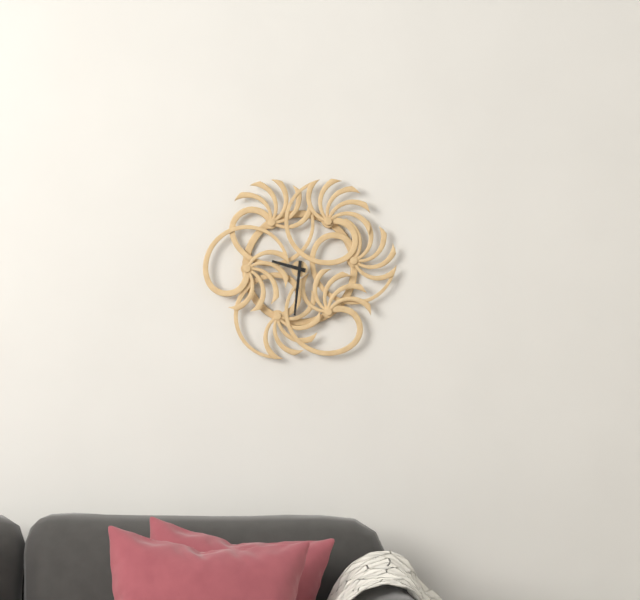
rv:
9 h 31 min
